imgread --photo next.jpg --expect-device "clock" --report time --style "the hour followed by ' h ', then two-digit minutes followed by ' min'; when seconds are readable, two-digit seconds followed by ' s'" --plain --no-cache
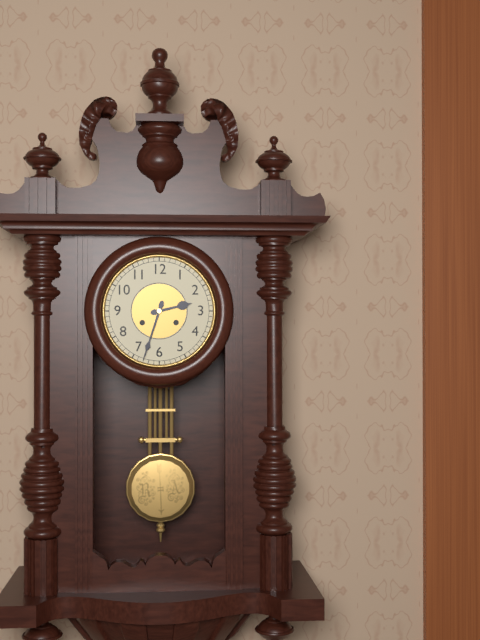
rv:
2 h 33 min
